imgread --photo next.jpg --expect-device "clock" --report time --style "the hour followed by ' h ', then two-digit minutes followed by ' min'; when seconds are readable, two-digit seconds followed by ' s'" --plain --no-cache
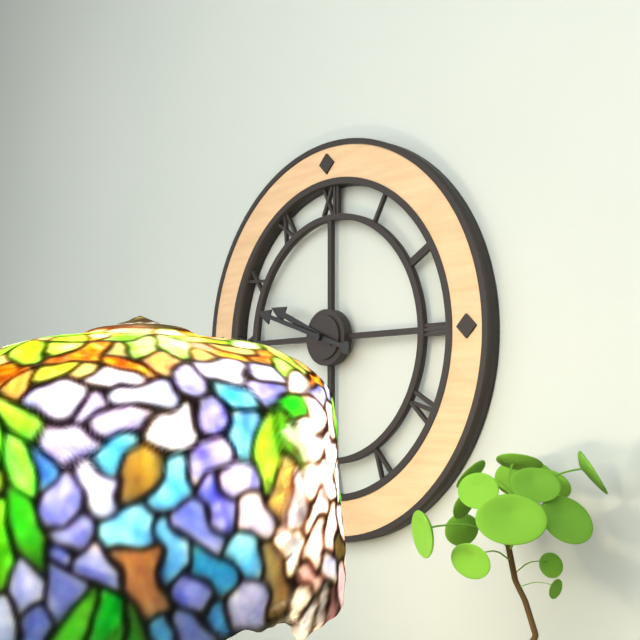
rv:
9 h 48 min
